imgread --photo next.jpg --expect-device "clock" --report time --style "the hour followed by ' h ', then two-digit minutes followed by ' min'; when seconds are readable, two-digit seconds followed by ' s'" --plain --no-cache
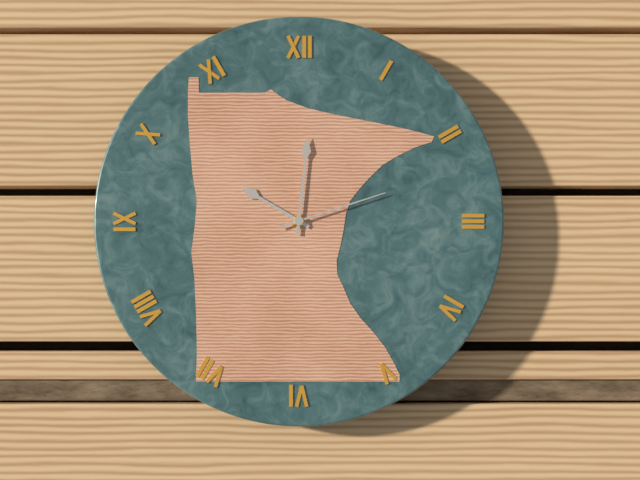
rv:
10 h 01 min 12 s
